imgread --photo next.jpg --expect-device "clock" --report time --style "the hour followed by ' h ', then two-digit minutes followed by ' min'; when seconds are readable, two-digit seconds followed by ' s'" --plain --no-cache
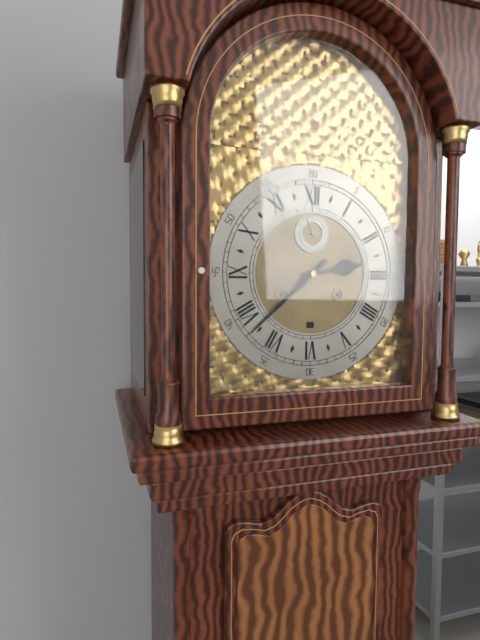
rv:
2 h 38 min
